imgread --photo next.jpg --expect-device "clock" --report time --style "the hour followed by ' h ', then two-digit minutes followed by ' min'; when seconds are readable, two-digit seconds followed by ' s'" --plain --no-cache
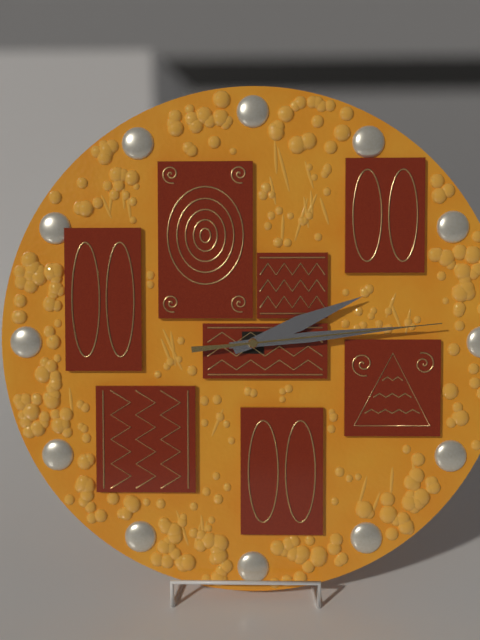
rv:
2 h 14 min 14 s
